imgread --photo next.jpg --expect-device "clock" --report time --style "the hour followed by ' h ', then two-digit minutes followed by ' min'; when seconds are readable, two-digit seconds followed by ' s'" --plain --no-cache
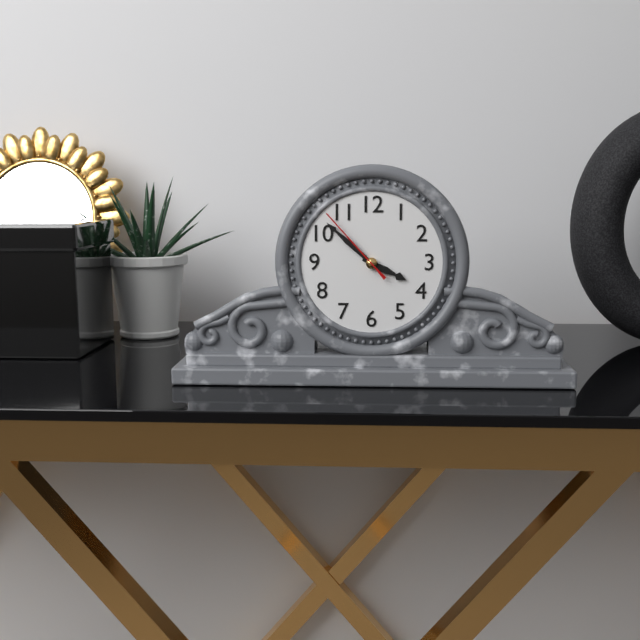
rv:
3 h 52 min 53 s
